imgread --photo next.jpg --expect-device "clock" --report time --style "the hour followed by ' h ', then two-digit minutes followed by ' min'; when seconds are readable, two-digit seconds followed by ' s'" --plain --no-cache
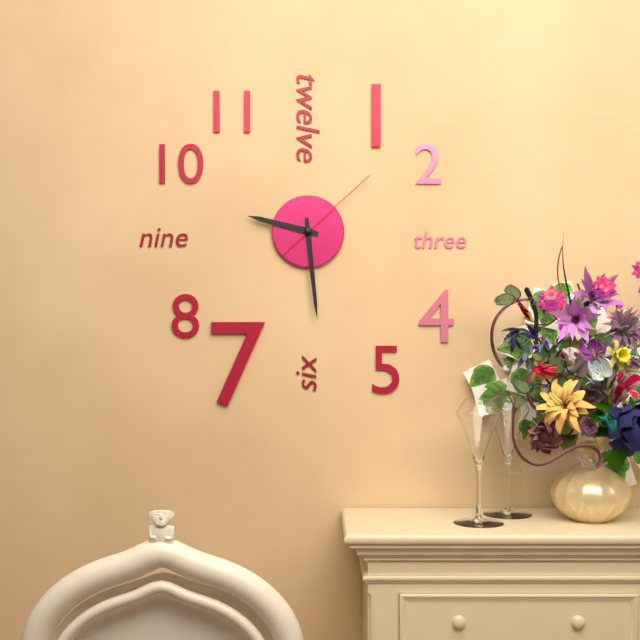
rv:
9 h 29 min 08 s
